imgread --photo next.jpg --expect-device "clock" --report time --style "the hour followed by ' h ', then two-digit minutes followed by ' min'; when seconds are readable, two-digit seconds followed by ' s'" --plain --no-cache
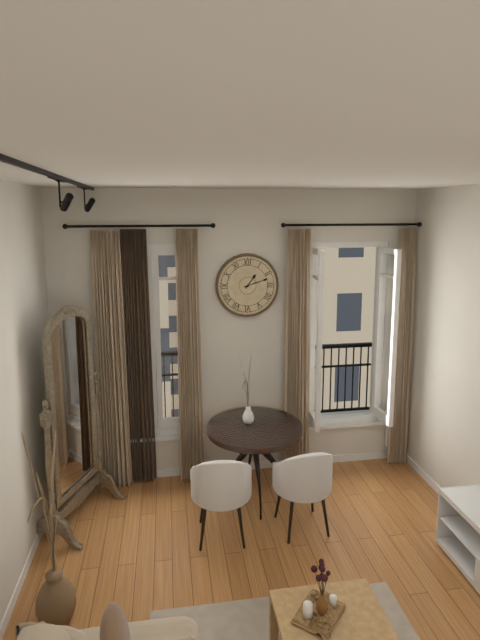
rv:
1 h 12 min
